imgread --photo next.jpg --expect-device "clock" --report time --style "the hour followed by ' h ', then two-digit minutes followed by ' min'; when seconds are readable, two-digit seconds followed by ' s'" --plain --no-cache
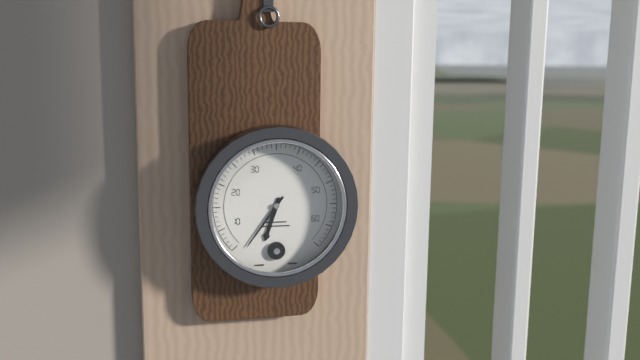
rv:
6 h 36 min
